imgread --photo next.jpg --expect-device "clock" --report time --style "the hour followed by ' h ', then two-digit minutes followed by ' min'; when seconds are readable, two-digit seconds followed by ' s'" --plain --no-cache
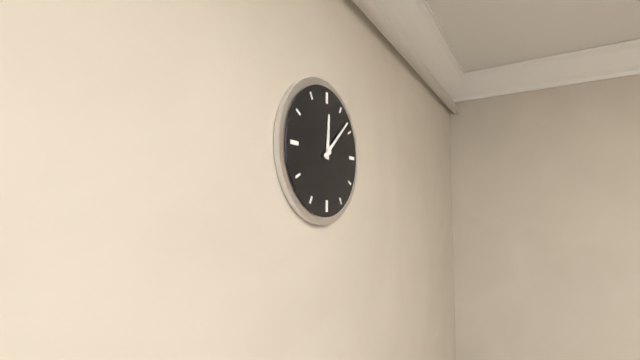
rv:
12 h 08 min
